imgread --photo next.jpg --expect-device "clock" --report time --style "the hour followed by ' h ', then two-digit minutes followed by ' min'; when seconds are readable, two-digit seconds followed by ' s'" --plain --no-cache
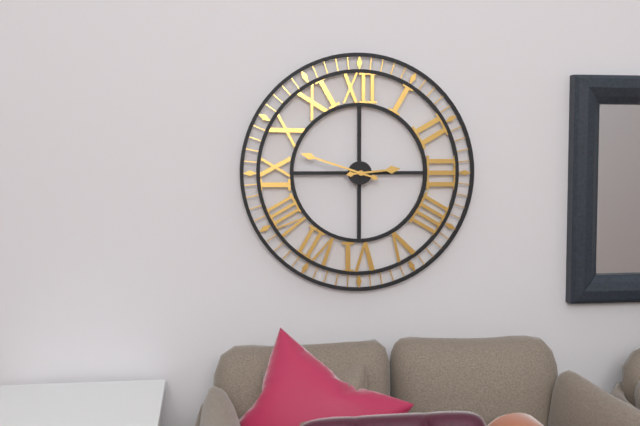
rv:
2 h 48 min
